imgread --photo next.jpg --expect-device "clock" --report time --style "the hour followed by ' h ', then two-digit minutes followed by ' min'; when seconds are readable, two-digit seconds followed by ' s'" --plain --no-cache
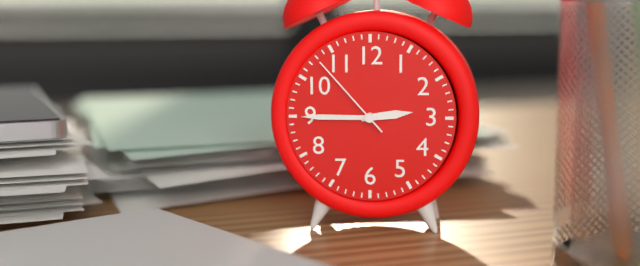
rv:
2 h 45 min 53 s
